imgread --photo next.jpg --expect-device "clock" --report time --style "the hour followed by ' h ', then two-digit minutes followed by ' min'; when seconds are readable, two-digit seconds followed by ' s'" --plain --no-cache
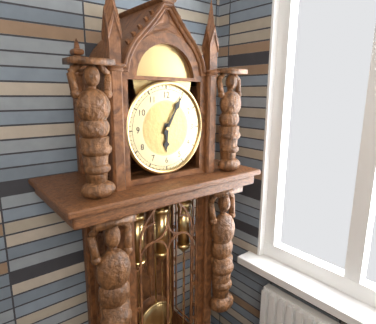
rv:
6 h 05 min
